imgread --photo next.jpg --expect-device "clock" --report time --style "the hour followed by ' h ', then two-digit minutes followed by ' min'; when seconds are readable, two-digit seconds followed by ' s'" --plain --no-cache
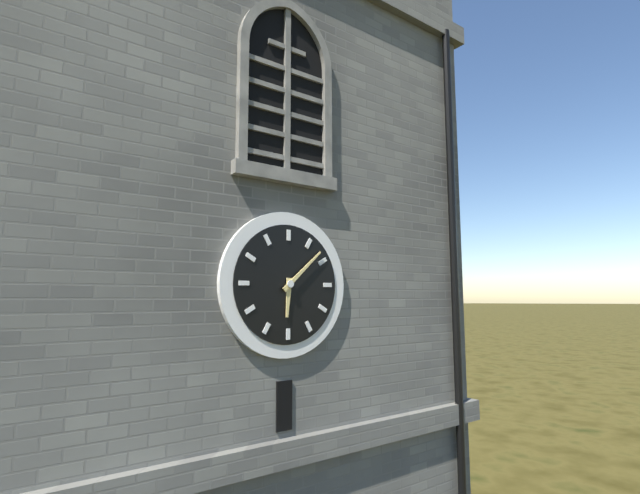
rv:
6 h 08 min
